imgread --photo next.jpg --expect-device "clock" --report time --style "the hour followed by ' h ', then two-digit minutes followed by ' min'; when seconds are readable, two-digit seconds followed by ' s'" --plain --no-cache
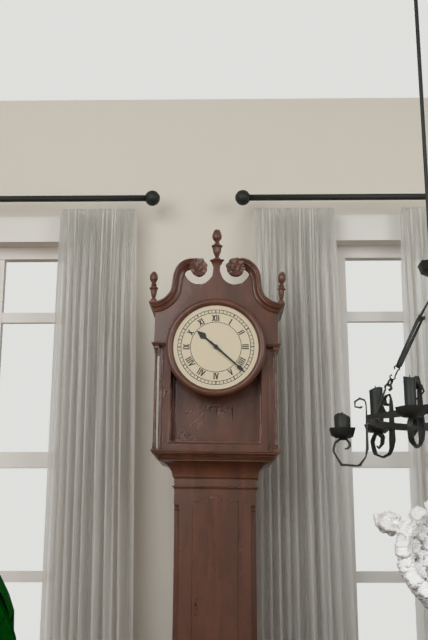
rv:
10 h 22 min
